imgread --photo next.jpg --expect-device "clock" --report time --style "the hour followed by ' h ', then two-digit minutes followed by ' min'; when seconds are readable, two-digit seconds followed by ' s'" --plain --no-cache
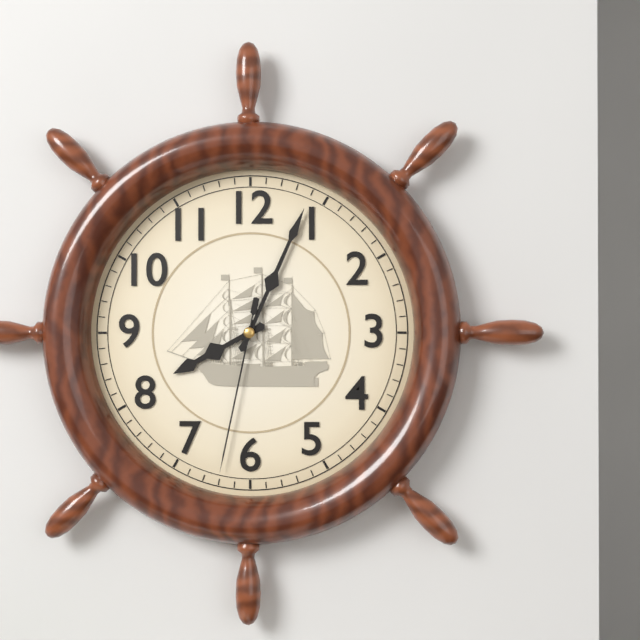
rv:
8 h 04 min 32 s
